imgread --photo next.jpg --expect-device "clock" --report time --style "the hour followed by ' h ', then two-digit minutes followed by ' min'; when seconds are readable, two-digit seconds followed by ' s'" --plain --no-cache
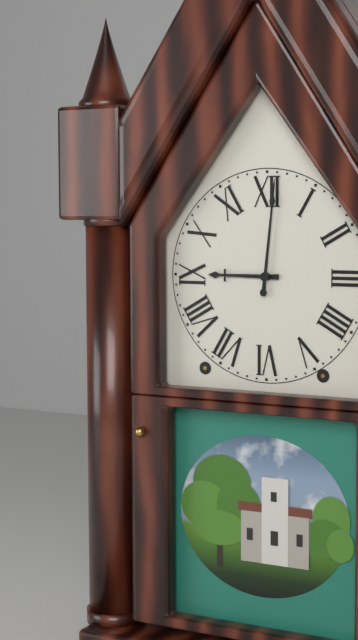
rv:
9 h 01 min
